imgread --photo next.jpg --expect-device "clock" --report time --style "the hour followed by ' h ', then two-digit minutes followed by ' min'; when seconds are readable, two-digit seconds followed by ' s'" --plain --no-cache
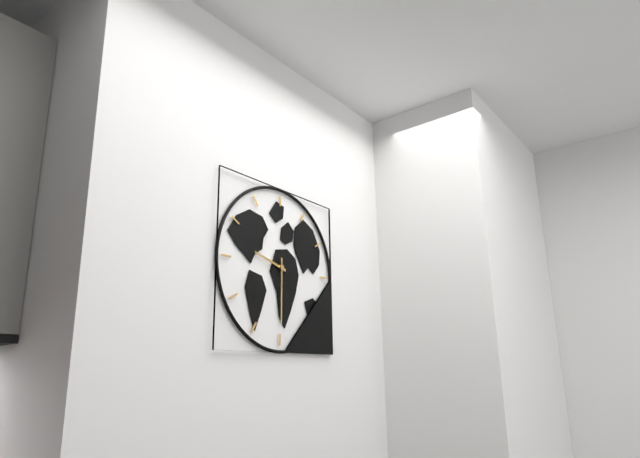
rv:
9 h 30 min
